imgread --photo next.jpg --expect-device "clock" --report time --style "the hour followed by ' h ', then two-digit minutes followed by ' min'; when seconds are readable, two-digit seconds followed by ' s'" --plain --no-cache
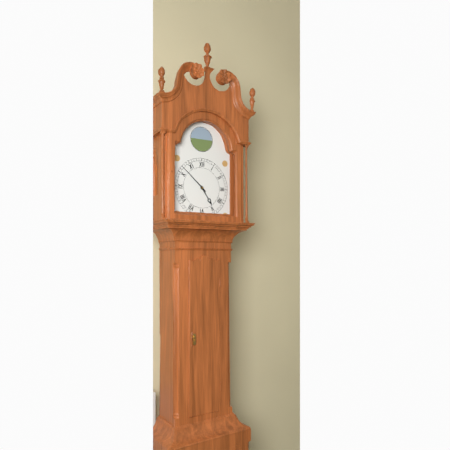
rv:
4 h 52 min
